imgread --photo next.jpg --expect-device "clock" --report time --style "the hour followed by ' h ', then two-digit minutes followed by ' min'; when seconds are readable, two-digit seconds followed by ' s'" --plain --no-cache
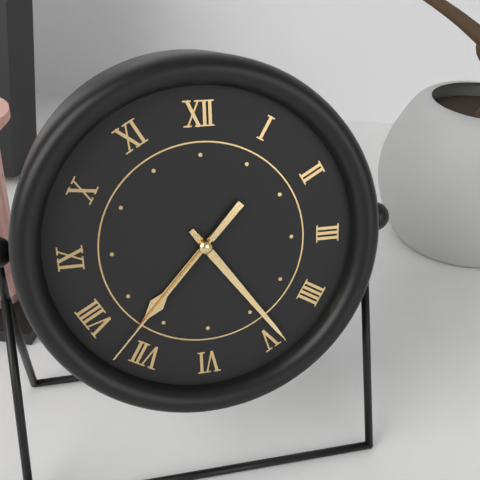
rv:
7 h 24 min 37 s
